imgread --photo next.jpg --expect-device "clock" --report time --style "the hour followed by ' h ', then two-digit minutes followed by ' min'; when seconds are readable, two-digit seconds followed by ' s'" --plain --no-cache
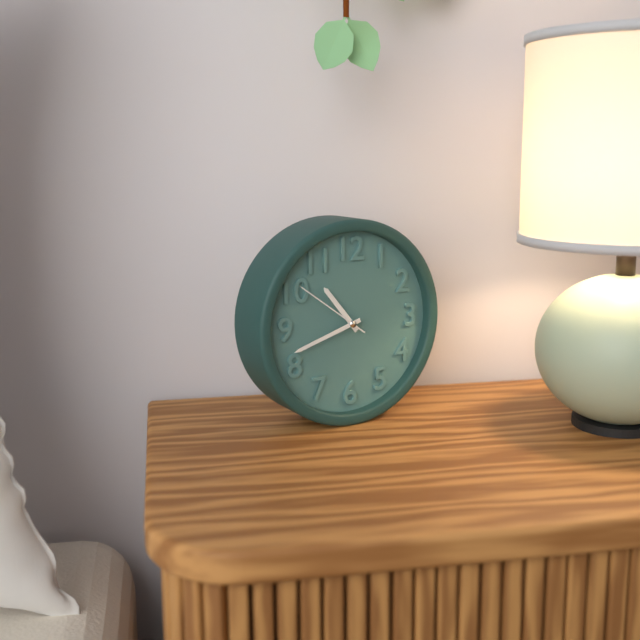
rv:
10 h 42 min 51 s
